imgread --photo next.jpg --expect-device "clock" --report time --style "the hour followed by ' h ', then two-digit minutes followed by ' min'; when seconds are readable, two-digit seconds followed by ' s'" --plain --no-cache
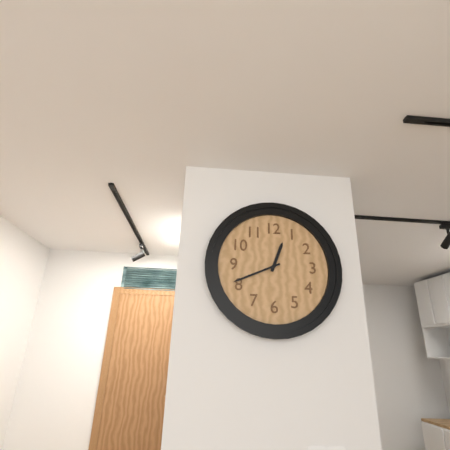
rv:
12 h 41 min
